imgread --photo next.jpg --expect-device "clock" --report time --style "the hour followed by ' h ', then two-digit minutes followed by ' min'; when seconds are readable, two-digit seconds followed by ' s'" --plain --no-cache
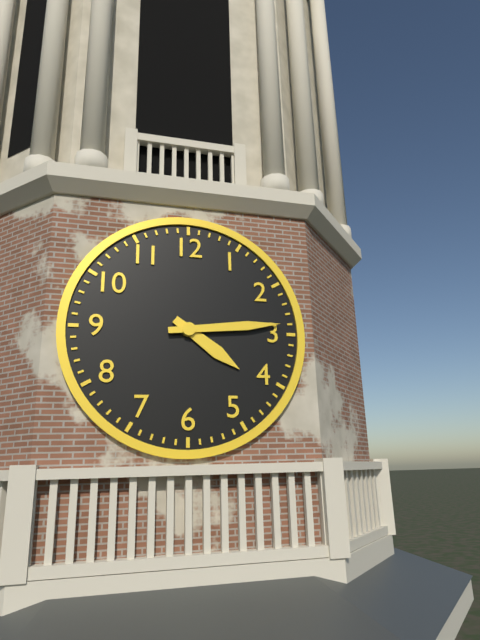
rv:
4 h 14 min
